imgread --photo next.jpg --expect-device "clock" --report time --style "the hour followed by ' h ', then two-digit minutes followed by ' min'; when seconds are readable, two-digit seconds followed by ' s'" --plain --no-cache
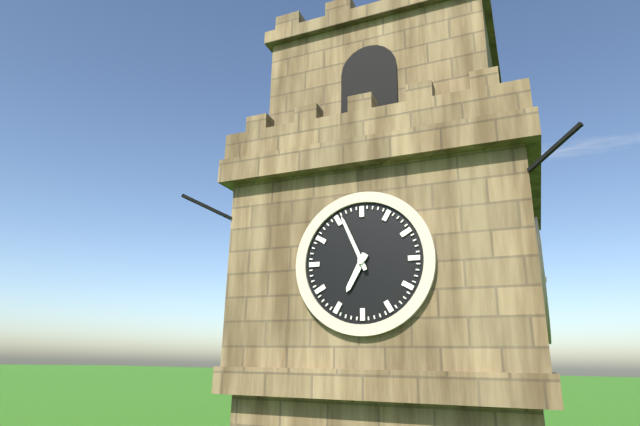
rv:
6 h 56 min
